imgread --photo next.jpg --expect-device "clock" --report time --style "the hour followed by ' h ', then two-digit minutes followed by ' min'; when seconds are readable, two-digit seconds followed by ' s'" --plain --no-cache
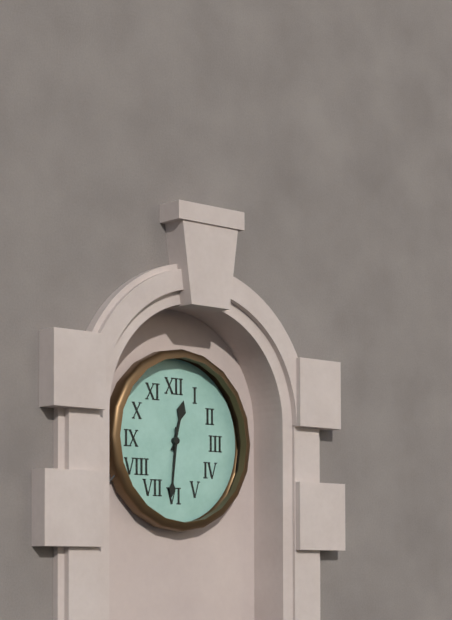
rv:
12 h 31 min
